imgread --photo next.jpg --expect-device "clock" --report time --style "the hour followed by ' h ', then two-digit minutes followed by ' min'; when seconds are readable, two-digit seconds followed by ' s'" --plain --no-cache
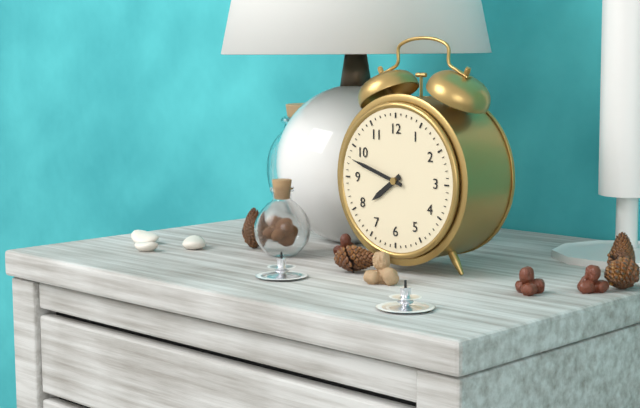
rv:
7 h 48 min
